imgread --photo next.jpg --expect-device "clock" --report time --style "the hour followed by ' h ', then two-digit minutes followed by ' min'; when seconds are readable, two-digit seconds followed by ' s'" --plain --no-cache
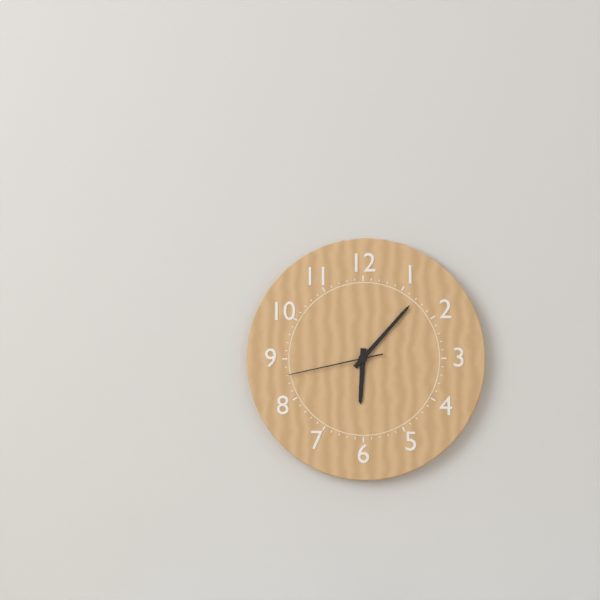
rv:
6 h 07 min 43 s
